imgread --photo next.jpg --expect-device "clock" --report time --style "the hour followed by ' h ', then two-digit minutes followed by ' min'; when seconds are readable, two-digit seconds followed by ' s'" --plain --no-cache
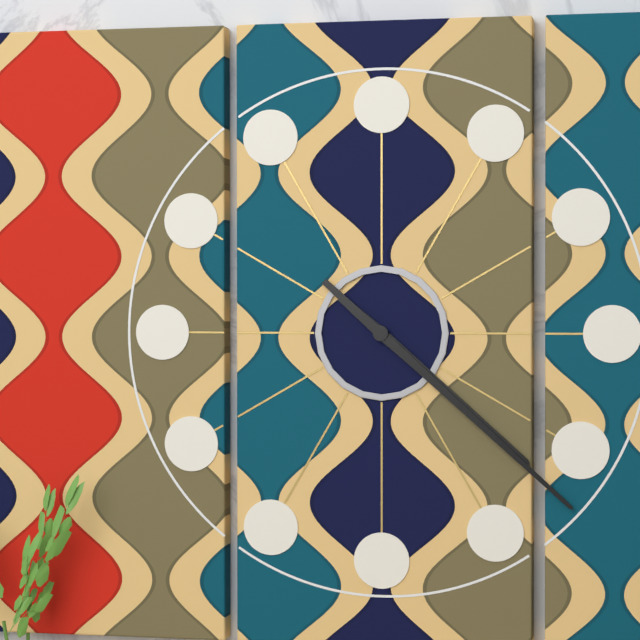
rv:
4 h 22 min
